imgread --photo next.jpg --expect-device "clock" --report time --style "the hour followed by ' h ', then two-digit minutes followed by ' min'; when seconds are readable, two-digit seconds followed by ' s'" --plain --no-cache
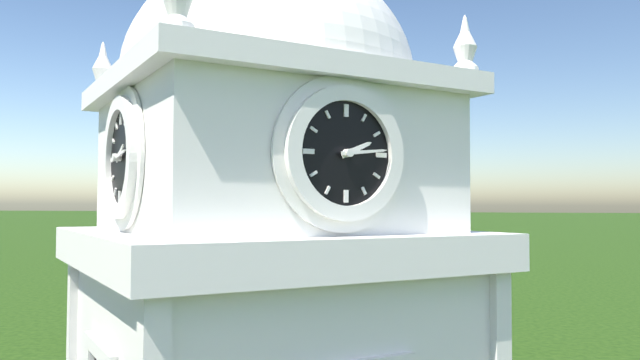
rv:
2 h 14 min
